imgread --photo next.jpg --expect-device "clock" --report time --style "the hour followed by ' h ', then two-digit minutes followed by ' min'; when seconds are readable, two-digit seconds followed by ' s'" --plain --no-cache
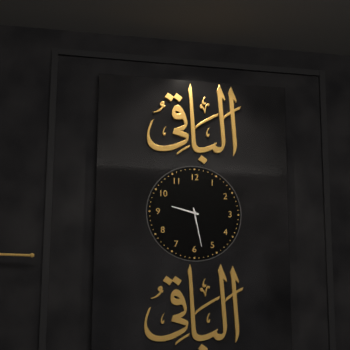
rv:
9 h 28 min
